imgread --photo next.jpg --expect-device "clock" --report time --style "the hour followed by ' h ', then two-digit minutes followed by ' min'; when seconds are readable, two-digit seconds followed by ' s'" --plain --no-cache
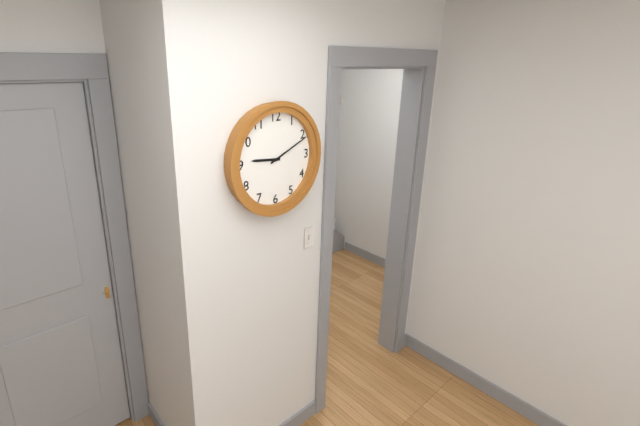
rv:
9 h 11 min
